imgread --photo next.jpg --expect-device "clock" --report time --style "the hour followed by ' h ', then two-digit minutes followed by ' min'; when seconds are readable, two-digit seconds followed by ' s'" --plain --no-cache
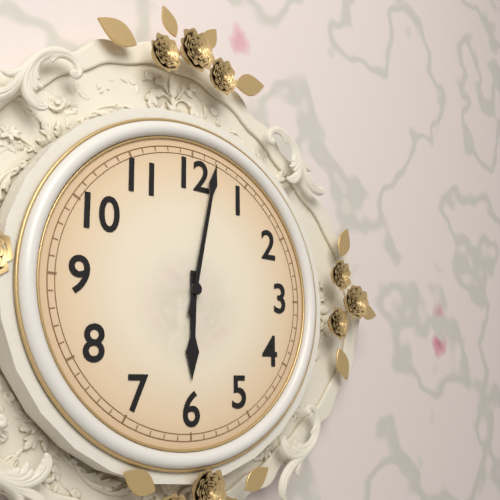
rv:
6 h 02 min
